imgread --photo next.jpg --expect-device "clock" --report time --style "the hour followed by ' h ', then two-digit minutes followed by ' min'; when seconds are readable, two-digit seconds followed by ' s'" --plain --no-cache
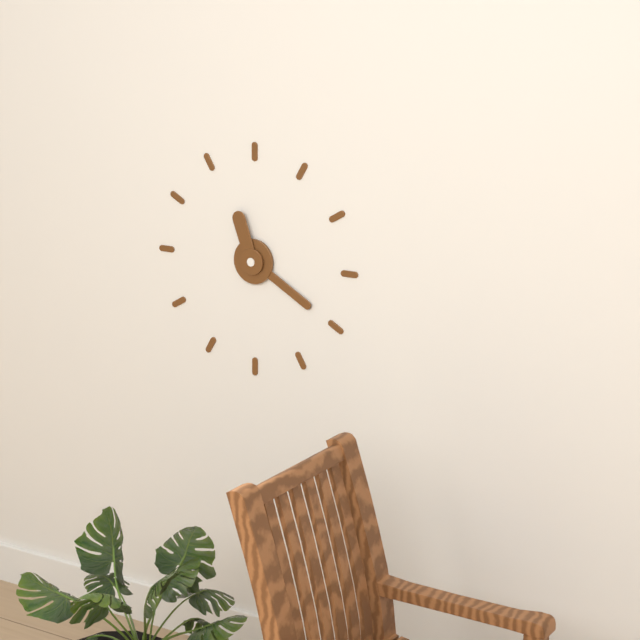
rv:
11 h 20 min
